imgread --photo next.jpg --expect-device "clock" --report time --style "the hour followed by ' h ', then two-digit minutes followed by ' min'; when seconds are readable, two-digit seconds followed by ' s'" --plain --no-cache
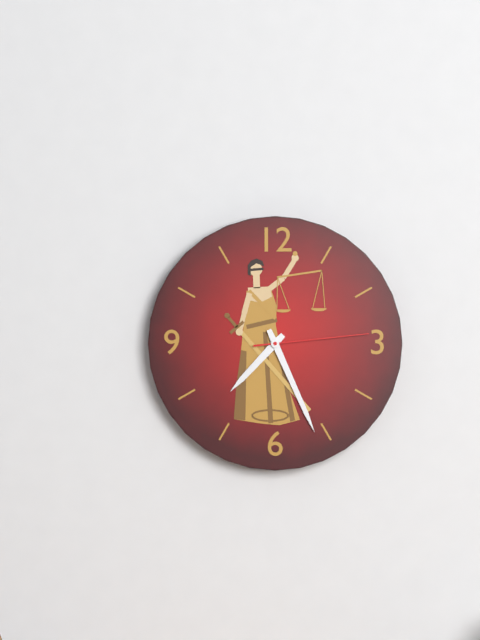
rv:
7 h 26 min 14 s
